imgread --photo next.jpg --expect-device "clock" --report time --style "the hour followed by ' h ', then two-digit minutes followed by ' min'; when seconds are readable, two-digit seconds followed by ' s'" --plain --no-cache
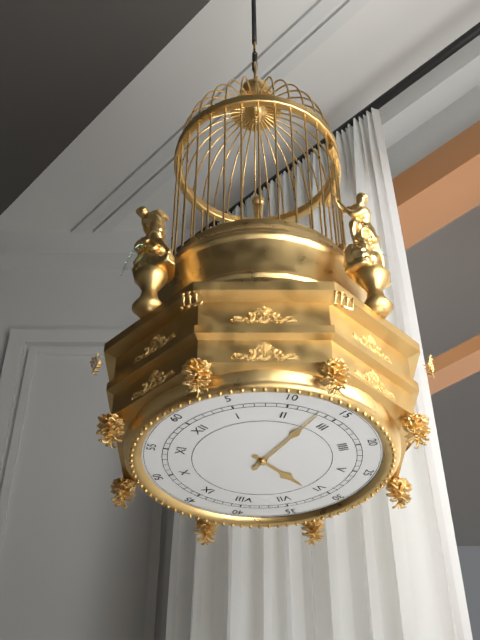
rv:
6 h 13 min
